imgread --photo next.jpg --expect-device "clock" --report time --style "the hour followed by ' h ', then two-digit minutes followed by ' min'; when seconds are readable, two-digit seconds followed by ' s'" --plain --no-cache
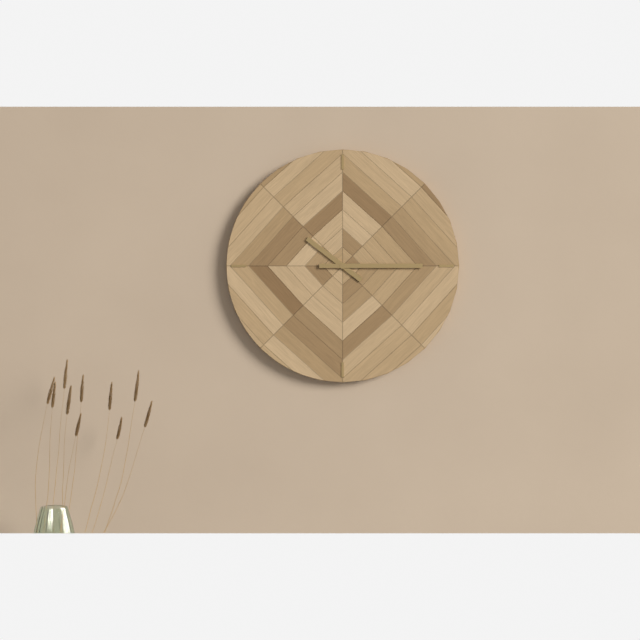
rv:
10 h 15 min
